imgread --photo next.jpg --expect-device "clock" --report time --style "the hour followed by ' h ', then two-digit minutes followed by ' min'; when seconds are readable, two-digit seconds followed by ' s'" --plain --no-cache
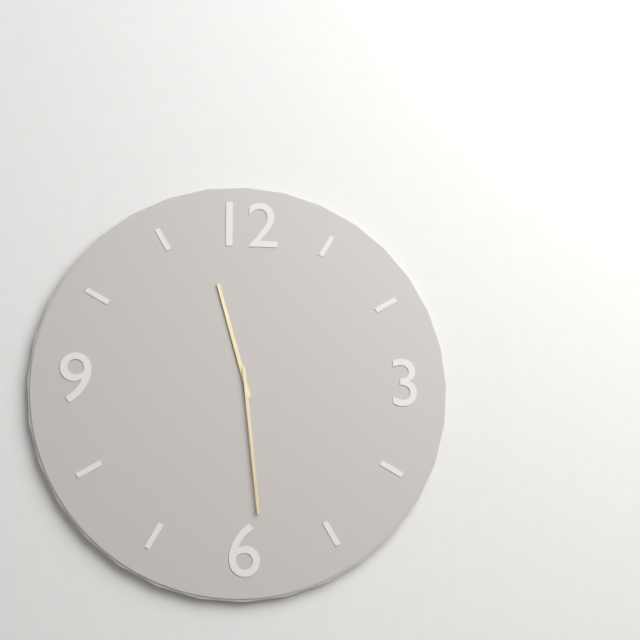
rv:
11 h 29 min
